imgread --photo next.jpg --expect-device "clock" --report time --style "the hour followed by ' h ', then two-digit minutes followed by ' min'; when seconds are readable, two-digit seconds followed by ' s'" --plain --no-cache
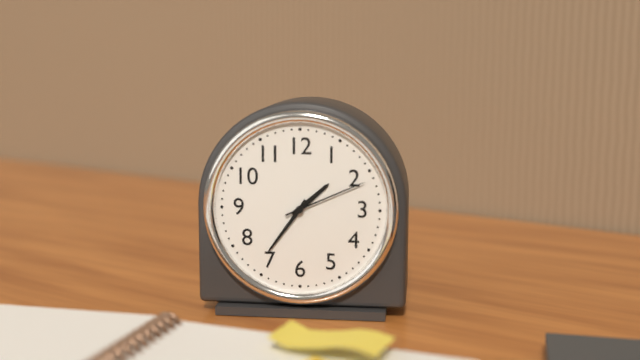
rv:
1 h 36 min 11 s
